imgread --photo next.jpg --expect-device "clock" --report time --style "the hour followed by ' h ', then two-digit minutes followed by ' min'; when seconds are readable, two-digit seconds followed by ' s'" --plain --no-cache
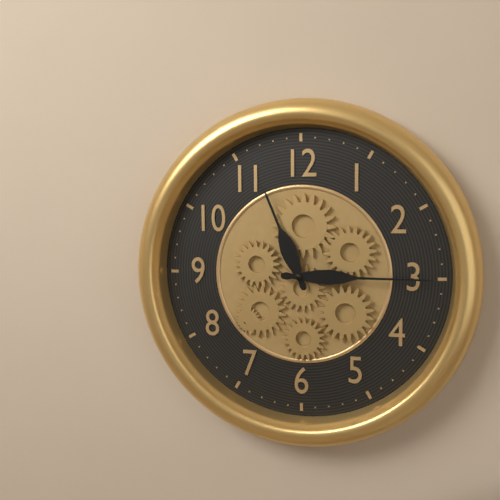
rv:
11 h 15 min
